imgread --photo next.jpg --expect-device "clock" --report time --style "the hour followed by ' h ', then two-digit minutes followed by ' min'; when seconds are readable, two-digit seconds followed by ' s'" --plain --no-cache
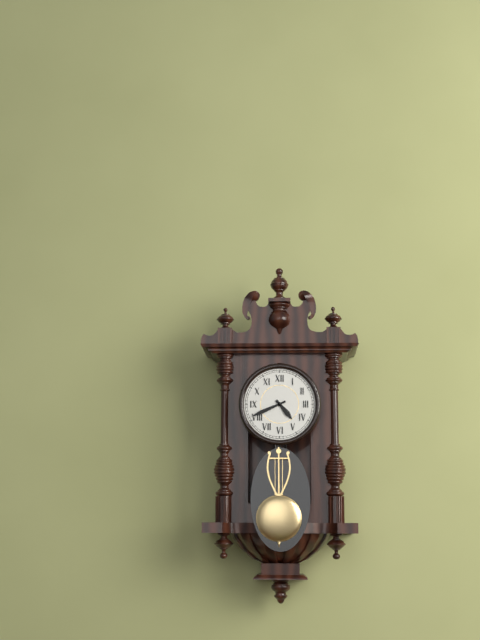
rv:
4 h 41 min
